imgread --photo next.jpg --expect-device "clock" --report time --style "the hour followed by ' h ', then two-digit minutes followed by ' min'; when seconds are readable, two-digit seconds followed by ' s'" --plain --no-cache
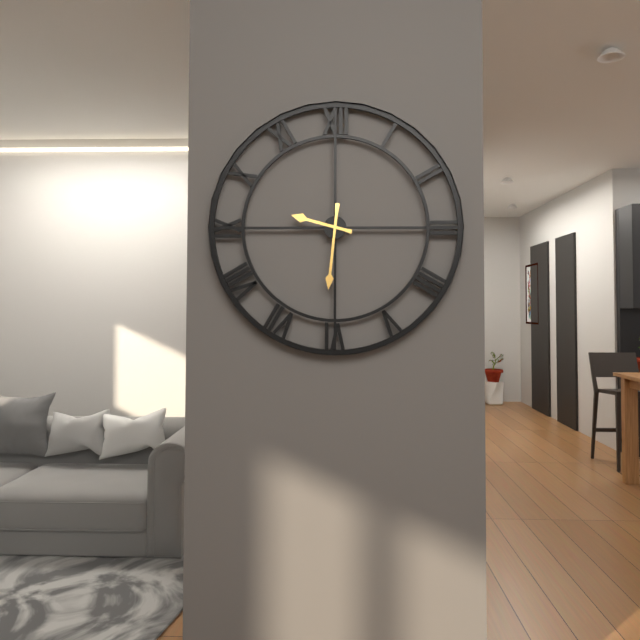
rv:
9 h 31 min
